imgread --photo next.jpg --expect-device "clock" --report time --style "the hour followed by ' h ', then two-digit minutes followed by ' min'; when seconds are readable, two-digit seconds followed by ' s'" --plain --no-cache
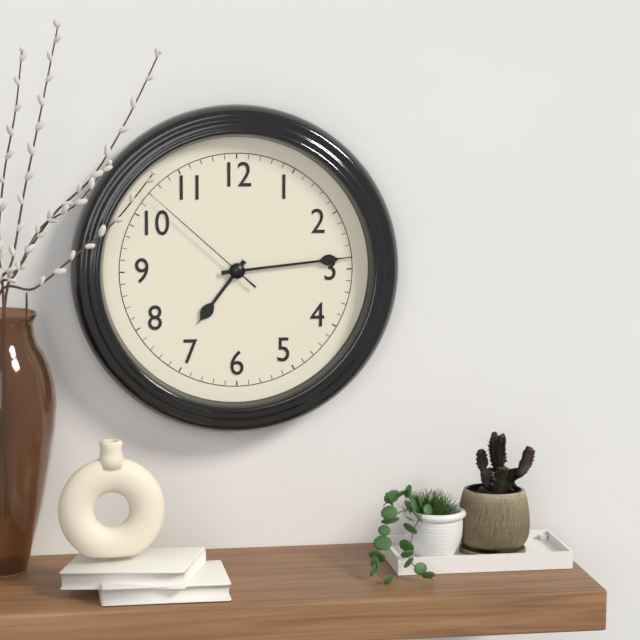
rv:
7 h 14 min 52 s
